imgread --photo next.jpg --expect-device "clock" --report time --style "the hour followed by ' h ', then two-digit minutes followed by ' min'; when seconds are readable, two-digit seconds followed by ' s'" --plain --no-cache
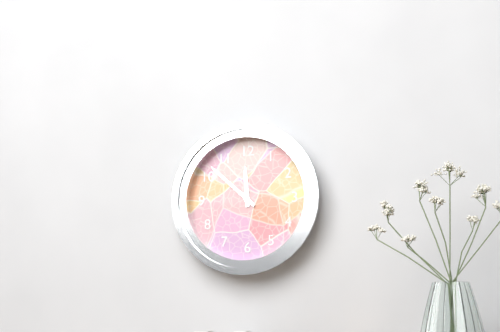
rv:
11 h 52 min
